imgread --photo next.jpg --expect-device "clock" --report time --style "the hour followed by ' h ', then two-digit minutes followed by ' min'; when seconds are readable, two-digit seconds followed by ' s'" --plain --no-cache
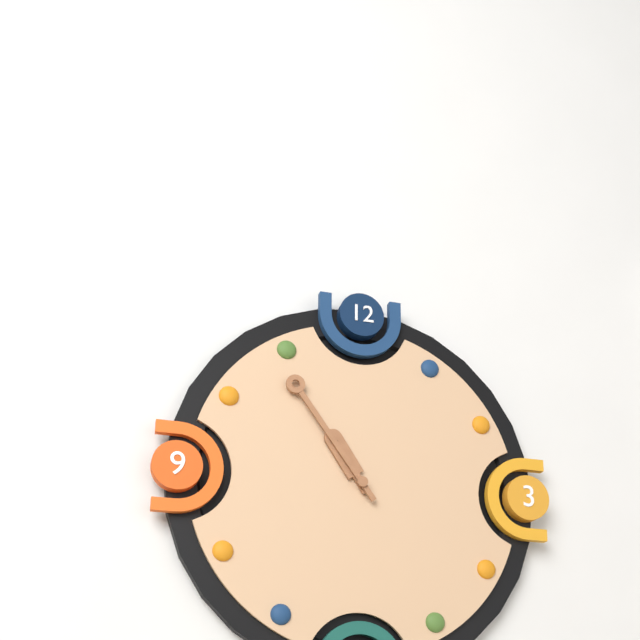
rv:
10 h 54 min
